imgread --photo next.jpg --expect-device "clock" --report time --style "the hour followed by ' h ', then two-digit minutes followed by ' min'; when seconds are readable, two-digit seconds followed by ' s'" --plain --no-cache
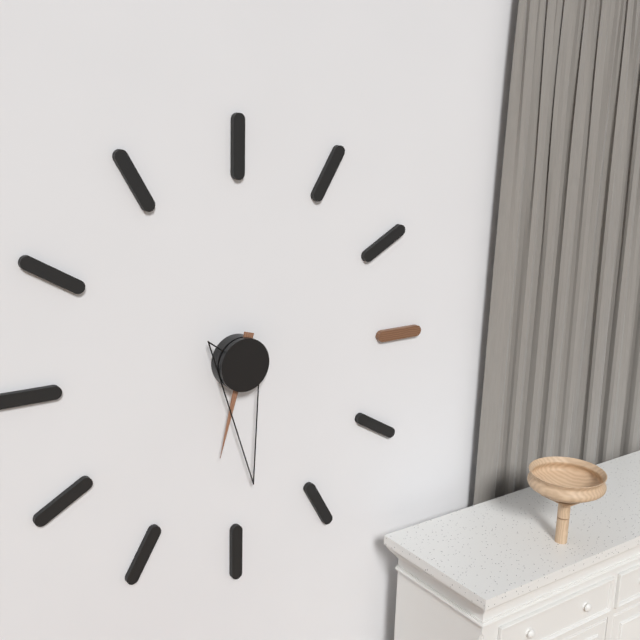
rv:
6 h 29 min
